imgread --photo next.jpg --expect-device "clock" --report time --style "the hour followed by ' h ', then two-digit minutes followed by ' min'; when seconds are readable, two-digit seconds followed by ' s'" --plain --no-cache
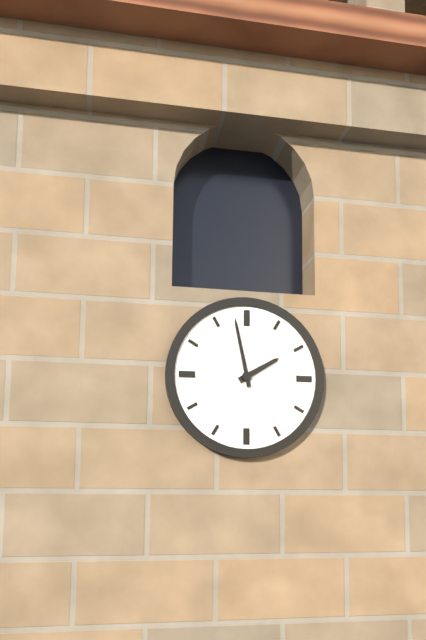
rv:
1 h 58 min
